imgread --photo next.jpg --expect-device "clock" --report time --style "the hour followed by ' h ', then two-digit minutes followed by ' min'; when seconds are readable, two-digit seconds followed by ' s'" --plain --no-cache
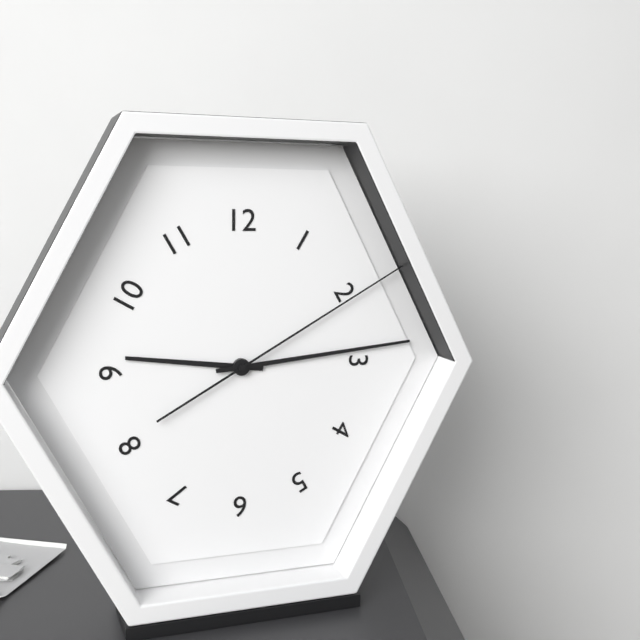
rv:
9 h 14 min 10 s
